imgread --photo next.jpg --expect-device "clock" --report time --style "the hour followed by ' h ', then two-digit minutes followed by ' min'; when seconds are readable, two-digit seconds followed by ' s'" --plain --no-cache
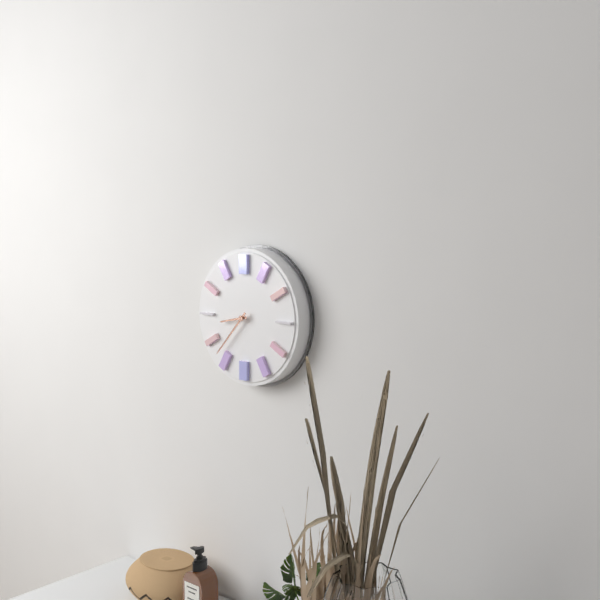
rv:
8 h 37 min
